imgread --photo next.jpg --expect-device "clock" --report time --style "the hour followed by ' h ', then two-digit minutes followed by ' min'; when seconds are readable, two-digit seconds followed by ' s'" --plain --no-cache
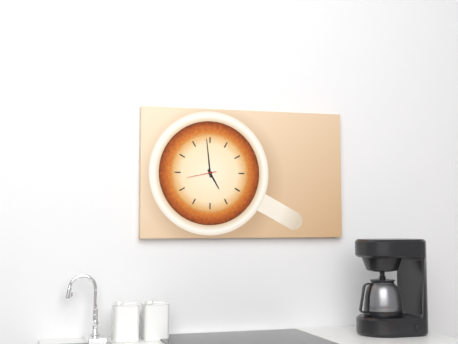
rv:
4 h 59 min
